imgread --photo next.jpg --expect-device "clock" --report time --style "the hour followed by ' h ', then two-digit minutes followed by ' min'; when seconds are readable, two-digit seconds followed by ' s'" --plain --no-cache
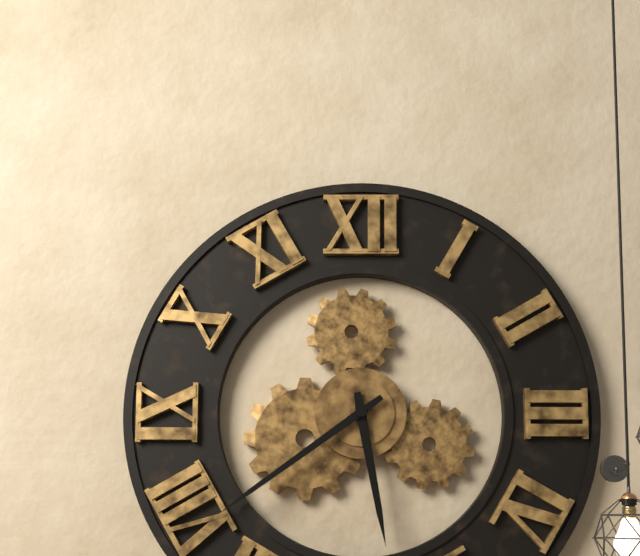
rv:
5 h 39 min
